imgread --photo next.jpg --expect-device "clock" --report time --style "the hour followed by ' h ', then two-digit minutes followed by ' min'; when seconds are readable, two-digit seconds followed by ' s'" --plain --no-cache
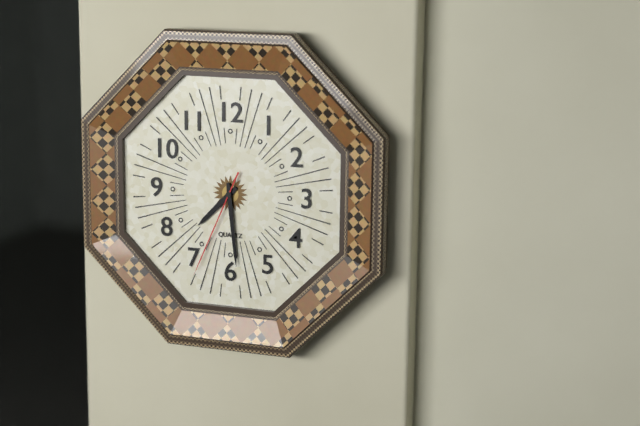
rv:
7 h 29 min 34 s
